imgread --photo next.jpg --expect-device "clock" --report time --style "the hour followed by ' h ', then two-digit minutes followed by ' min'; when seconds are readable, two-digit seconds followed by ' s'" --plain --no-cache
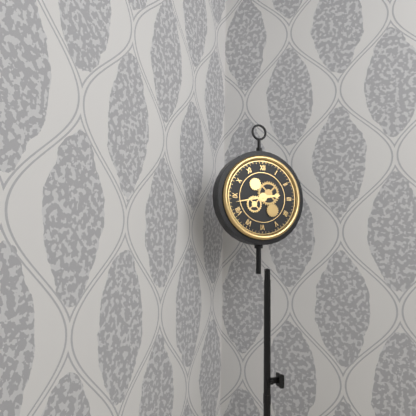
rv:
2 h 43 min
